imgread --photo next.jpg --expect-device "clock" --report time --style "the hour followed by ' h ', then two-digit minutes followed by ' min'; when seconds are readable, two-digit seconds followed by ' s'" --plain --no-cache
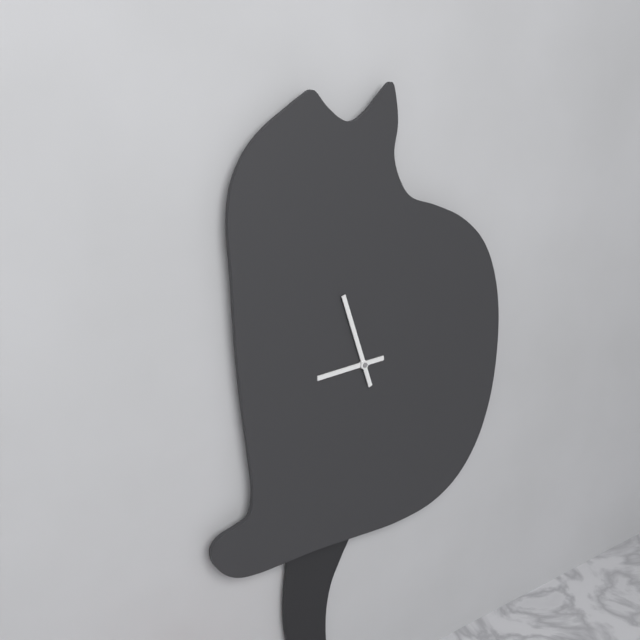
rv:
8 h 57 min
